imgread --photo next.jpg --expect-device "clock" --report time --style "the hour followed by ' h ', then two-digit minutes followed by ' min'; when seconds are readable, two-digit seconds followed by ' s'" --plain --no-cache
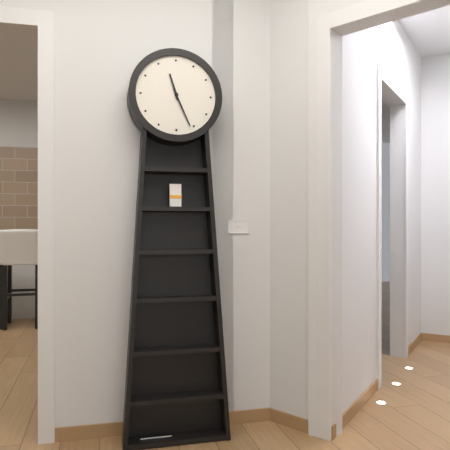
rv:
11 h 26 min
